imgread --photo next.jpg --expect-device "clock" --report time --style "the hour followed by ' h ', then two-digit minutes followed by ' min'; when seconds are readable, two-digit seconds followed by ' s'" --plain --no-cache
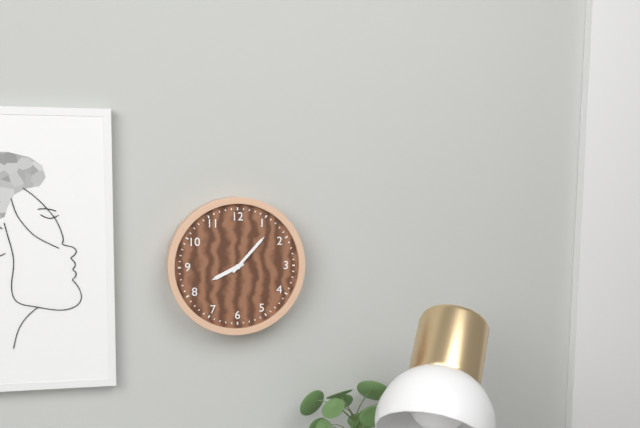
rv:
8 h 07 min
